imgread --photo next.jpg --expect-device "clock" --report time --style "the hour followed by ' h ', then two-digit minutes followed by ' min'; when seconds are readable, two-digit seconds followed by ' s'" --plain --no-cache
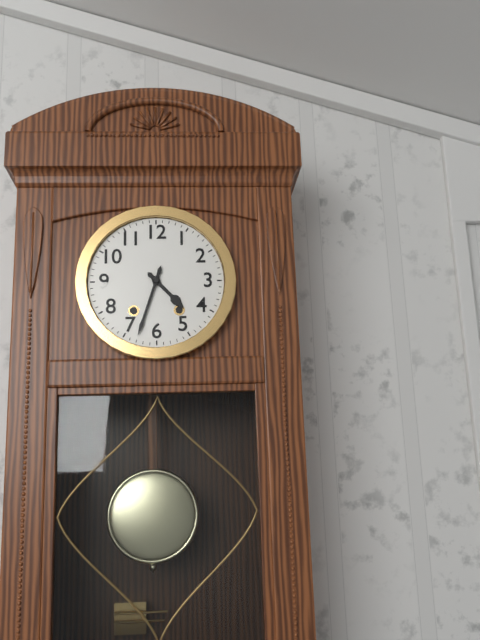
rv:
4 h 33 min
